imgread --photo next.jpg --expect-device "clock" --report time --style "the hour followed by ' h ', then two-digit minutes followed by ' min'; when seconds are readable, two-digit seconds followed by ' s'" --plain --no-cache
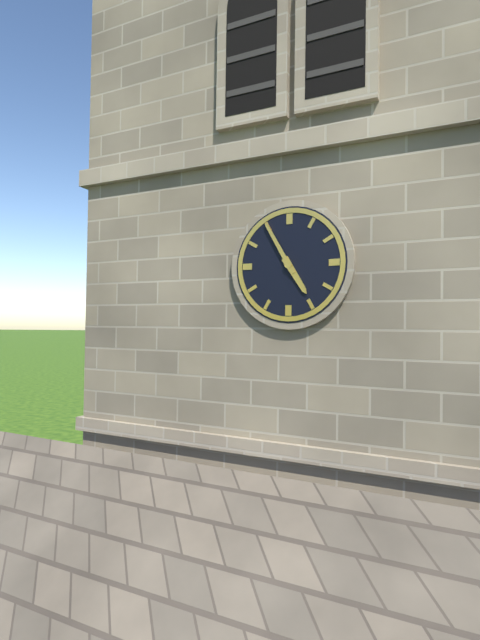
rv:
4 h 55 min
